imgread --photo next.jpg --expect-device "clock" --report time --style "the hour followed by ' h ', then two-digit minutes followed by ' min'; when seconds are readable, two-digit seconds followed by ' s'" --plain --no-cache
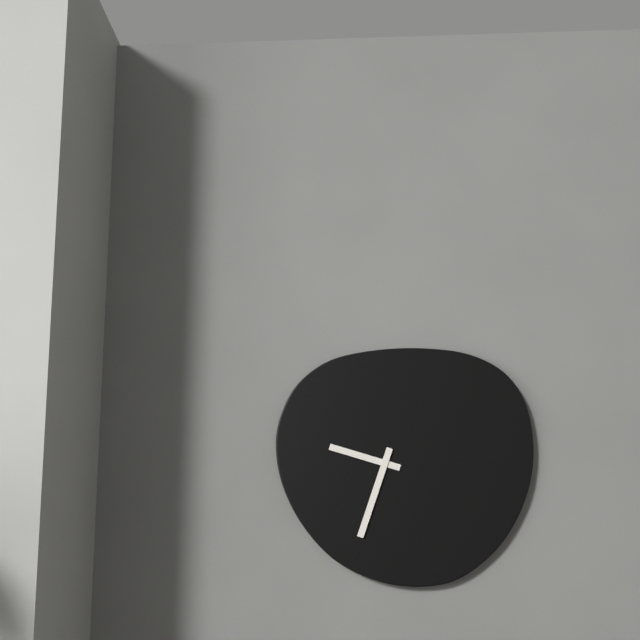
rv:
9 h 33 min
